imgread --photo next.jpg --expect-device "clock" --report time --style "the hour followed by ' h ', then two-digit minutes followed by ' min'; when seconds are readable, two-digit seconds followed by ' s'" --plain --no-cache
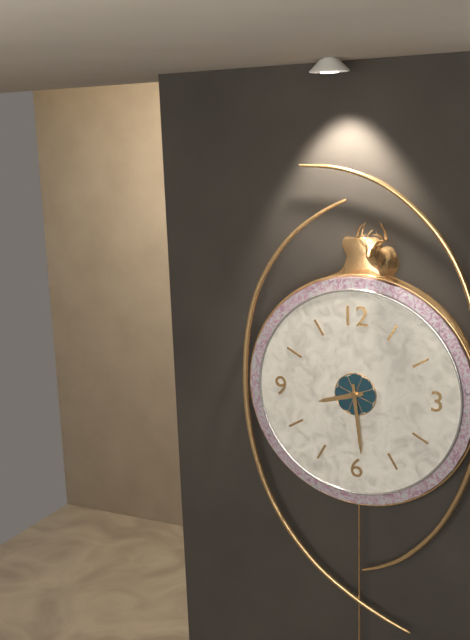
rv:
8 h 29 min
